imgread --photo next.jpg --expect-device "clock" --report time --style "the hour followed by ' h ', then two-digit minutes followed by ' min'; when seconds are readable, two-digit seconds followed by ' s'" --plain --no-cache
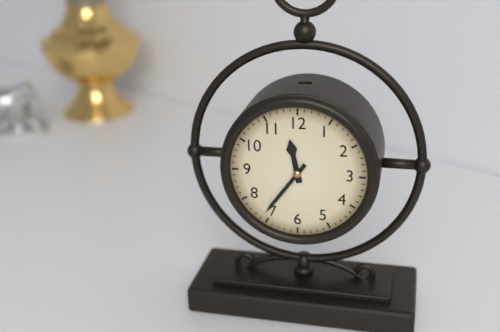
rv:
11 h 36 min
